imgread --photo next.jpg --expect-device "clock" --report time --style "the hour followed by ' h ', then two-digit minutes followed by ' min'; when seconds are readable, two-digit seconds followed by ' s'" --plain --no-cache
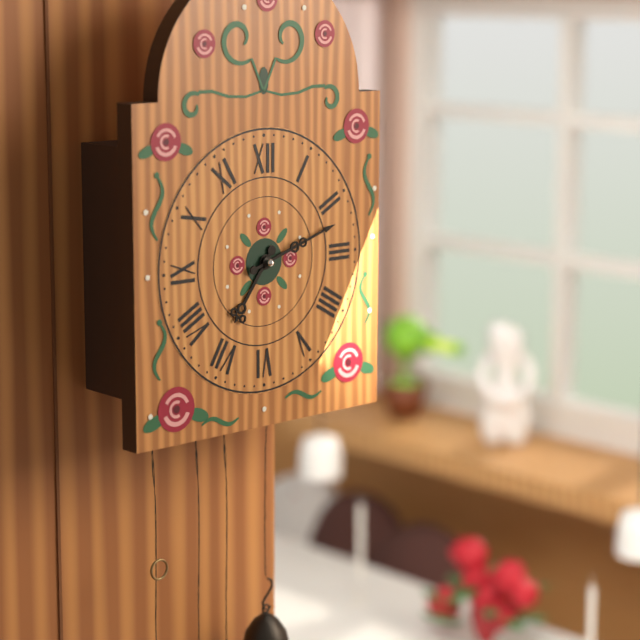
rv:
7 h 12 min
